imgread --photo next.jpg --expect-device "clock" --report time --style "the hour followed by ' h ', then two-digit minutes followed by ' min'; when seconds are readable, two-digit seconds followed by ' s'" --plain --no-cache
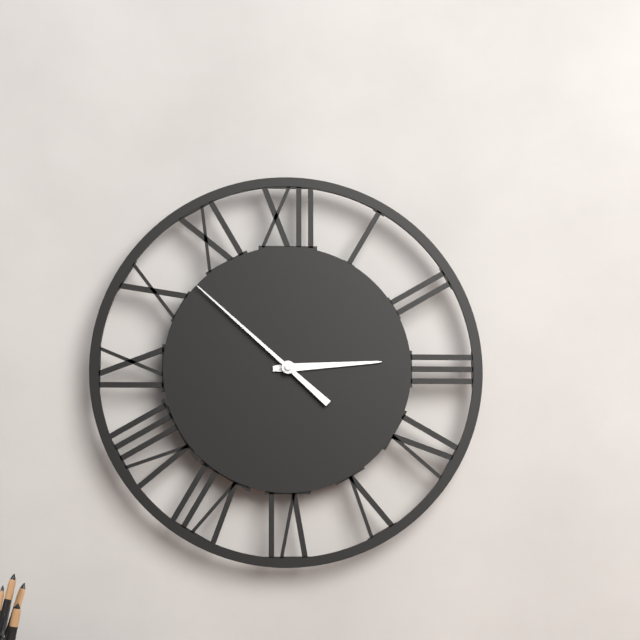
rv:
2 h 52 min
